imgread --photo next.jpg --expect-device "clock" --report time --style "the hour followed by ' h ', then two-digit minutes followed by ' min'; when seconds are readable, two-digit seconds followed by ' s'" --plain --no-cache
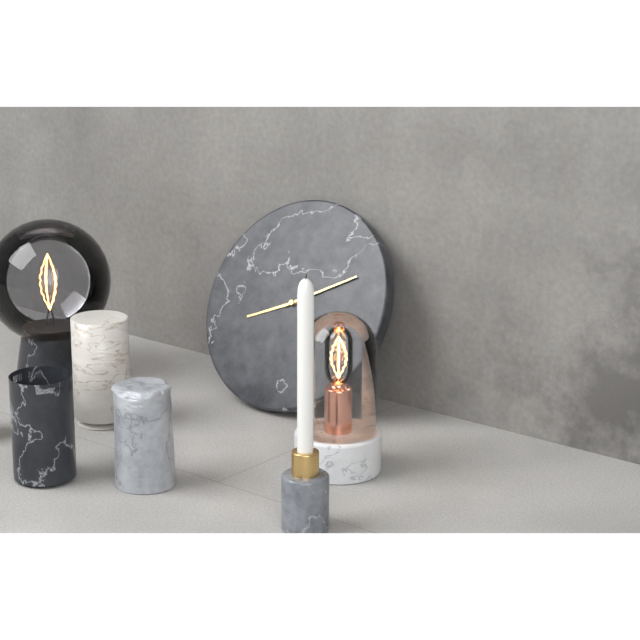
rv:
8 h 10 min
